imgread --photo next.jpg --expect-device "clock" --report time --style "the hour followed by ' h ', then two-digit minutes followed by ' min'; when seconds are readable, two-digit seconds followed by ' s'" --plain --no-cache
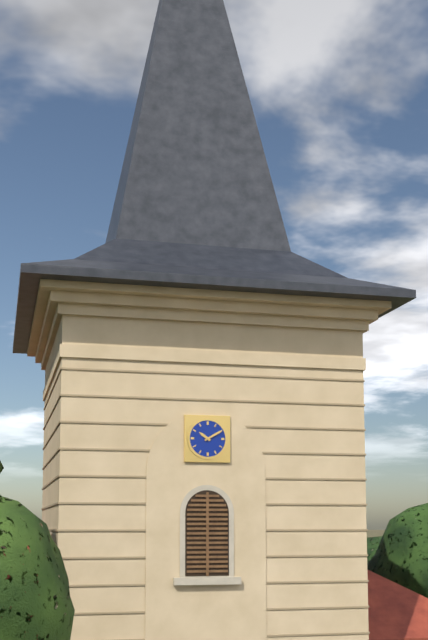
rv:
10 h 10 min
